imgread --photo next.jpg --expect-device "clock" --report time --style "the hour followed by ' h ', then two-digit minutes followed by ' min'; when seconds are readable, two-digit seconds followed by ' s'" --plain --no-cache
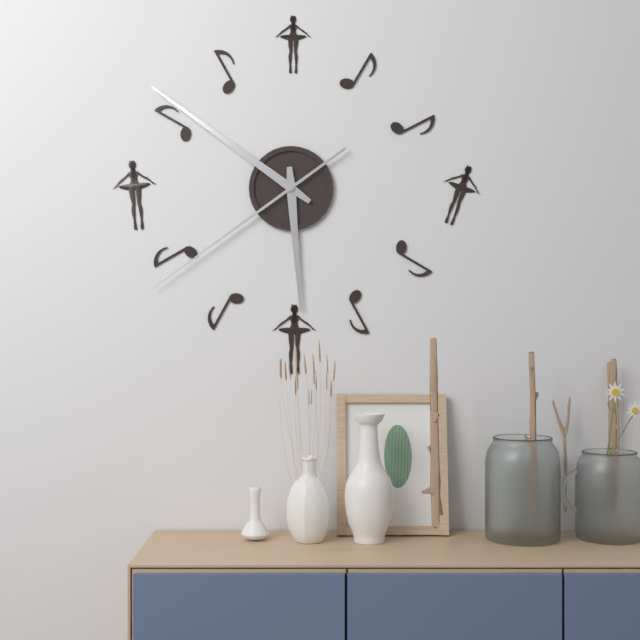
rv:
5 h 51 min 39 s
